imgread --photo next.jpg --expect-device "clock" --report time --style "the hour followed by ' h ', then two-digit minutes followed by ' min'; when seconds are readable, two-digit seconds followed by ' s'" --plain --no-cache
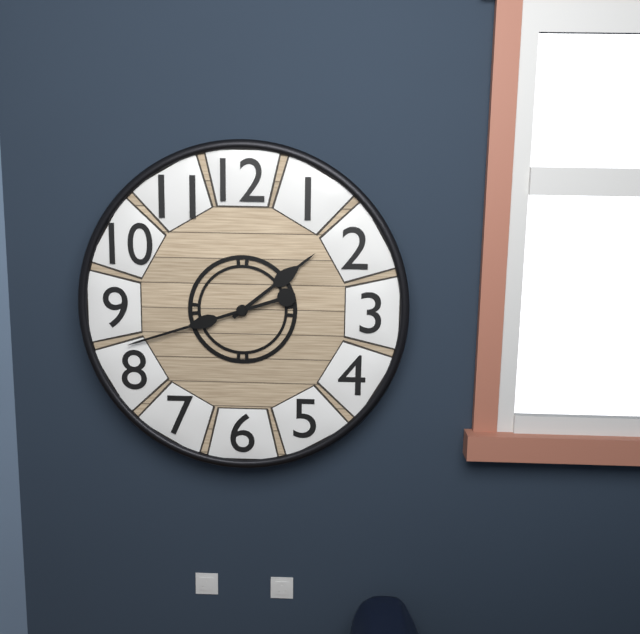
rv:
1 h 42 min
